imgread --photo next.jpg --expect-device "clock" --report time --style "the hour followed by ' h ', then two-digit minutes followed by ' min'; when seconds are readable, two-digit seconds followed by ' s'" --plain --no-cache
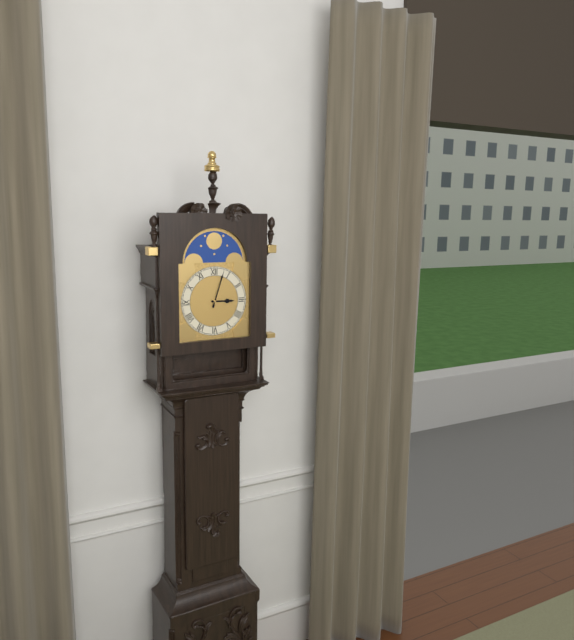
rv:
3 h 03 min
